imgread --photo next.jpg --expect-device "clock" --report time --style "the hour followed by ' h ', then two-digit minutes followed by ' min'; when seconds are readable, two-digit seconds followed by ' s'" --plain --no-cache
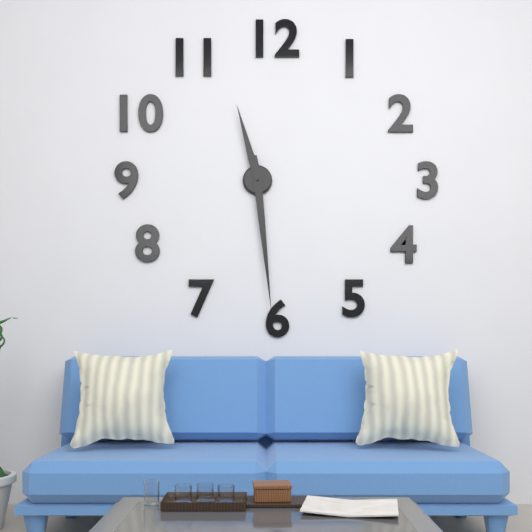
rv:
11 h 29 min
